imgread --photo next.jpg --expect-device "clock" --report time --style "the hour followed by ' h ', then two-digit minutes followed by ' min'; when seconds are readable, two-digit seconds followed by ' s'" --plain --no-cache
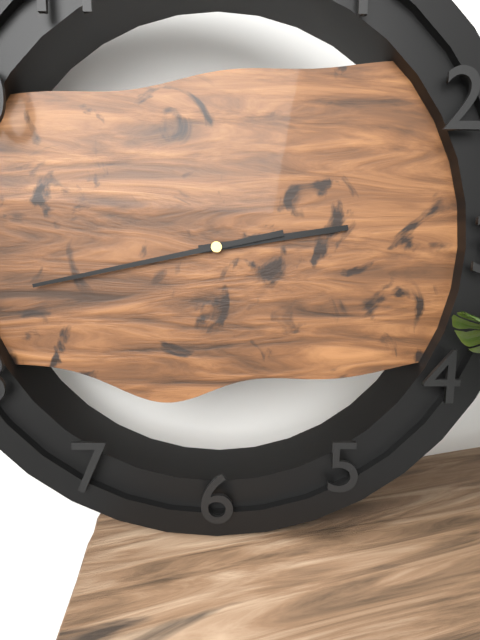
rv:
2 h 43 min
